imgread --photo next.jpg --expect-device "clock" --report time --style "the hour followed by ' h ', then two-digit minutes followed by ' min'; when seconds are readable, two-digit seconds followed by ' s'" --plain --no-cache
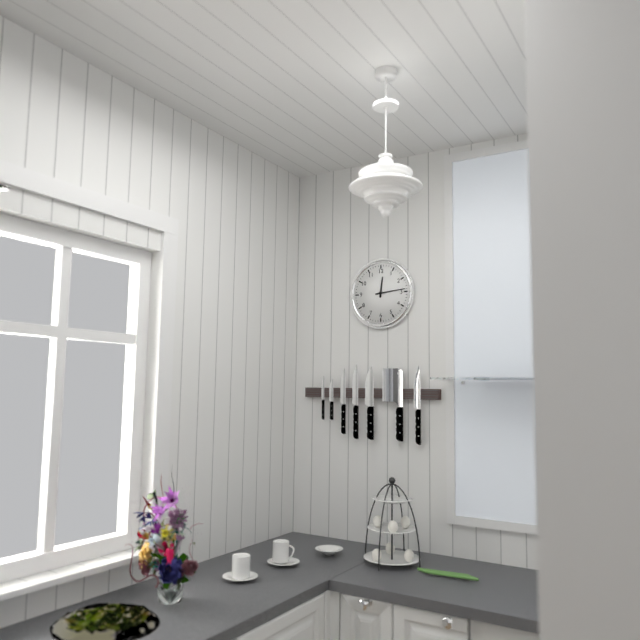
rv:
12 h 14 min
